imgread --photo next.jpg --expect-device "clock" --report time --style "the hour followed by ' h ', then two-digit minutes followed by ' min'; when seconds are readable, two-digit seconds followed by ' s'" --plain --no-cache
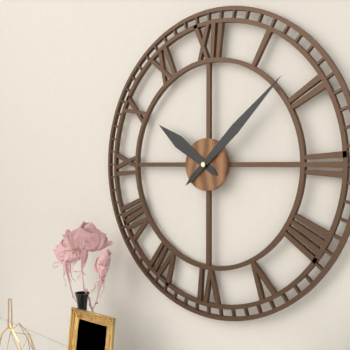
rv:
10 h 08 min
